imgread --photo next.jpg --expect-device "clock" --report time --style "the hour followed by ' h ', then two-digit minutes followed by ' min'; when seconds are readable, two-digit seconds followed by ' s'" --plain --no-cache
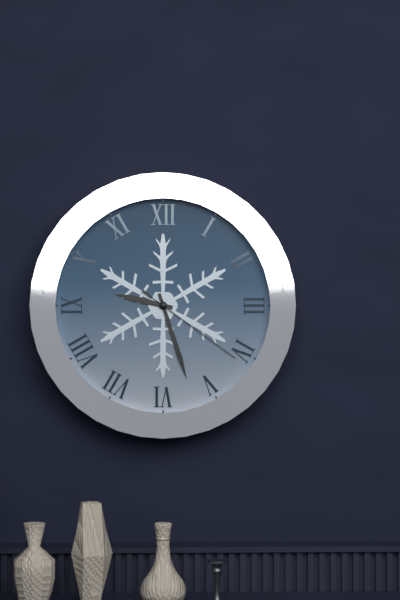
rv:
9 h 27 min 21 s
